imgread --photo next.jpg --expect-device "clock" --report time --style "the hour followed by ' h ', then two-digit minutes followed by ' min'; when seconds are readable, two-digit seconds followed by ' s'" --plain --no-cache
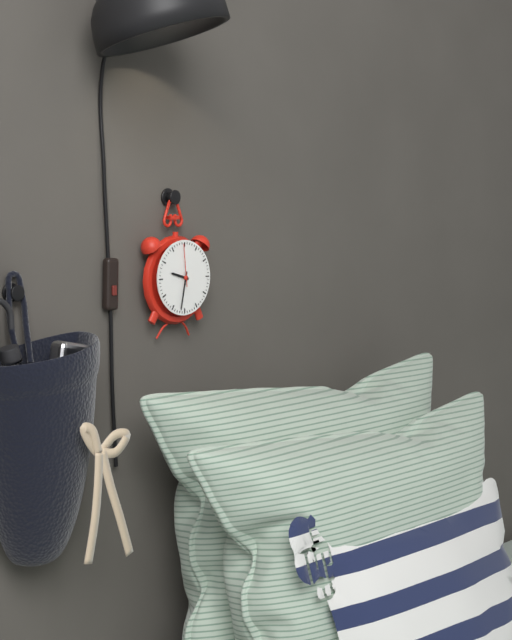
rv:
9 h 32 min
